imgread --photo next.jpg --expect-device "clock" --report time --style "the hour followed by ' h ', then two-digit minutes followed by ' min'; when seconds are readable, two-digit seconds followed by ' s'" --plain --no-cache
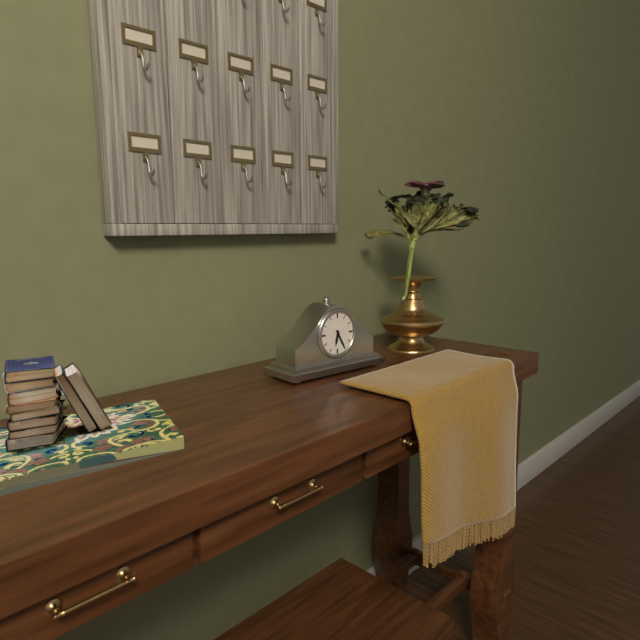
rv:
6 h 25 min
